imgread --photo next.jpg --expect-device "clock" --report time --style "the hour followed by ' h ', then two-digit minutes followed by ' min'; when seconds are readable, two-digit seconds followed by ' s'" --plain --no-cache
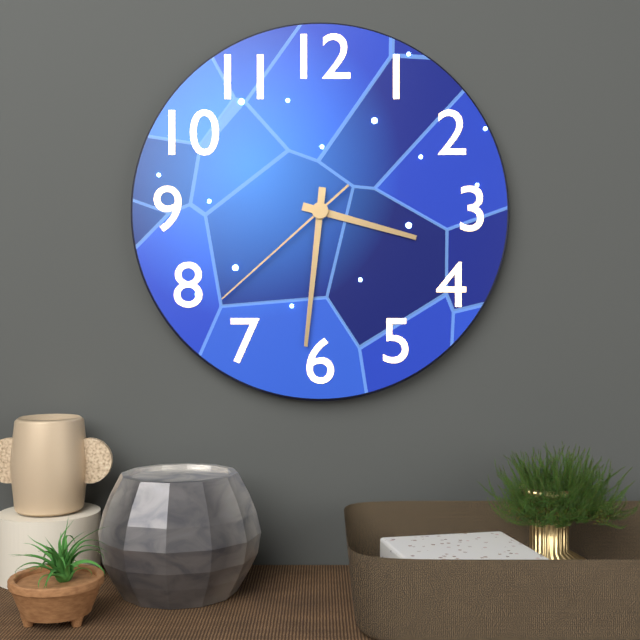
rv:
3 h 31 min 38 s
